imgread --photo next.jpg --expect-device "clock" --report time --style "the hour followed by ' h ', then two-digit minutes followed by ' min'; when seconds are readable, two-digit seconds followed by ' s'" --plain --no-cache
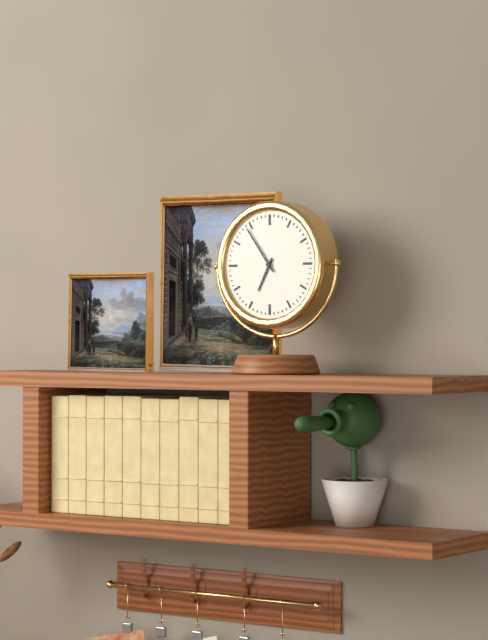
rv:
6 h 54 min
